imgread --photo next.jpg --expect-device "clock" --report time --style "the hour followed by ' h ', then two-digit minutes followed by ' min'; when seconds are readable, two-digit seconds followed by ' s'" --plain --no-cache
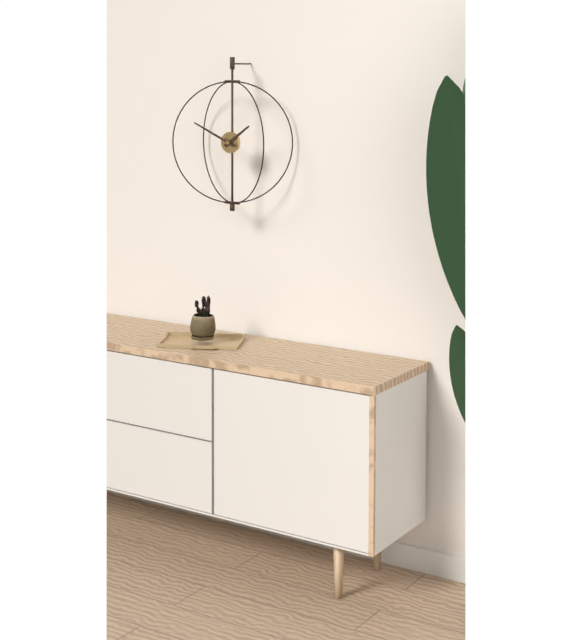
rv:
1 h 49 min
